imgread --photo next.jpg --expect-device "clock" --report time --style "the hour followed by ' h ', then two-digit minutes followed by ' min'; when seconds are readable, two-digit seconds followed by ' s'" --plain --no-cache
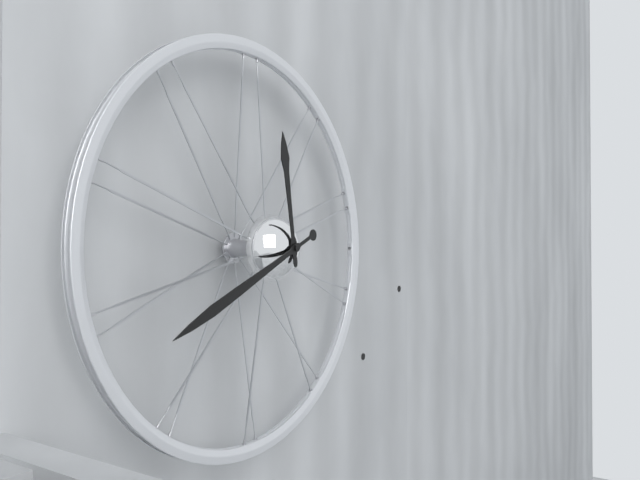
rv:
11 h 41 min
